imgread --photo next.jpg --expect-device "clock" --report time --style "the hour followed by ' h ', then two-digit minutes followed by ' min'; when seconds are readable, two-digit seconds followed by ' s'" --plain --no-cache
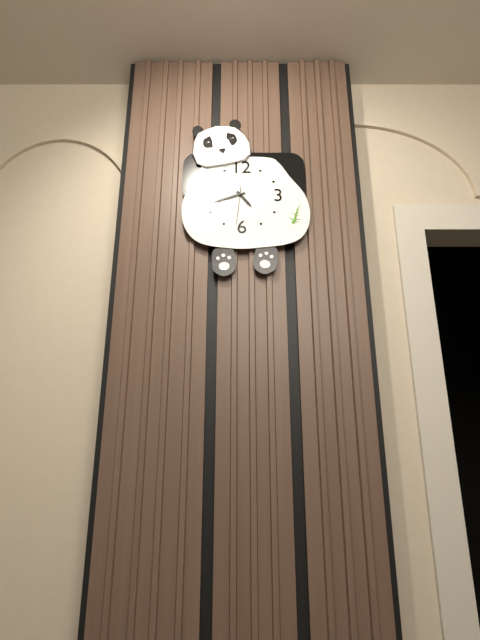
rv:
4 h 42 min
